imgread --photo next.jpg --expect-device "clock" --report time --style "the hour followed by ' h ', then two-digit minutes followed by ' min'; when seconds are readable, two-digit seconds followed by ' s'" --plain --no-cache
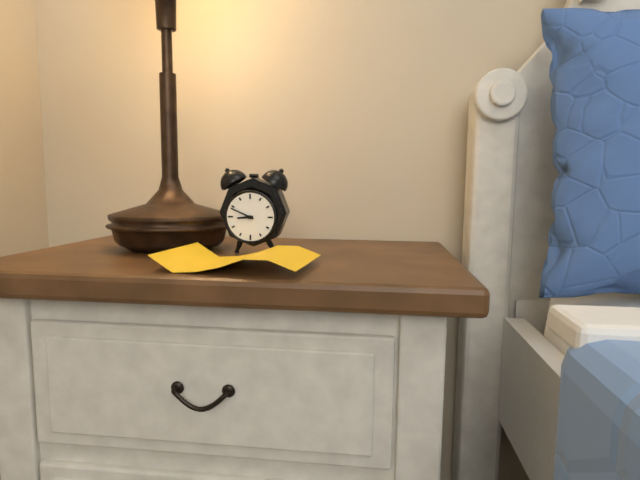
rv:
8 h 49 min
